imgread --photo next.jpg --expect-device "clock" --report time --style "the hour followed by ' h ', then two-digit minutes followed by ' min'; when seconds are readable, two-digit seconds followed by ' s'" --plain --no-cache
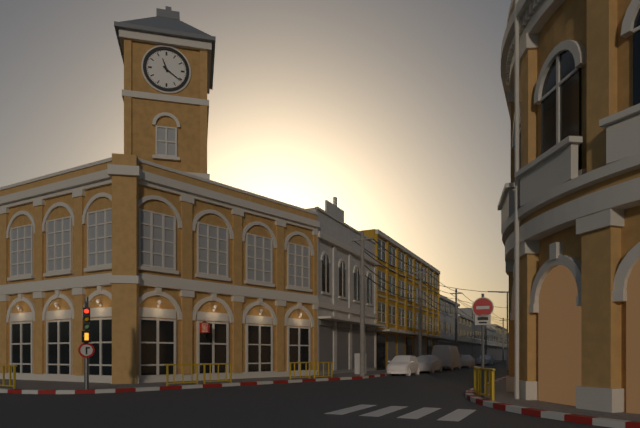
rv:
11 h 21 min
